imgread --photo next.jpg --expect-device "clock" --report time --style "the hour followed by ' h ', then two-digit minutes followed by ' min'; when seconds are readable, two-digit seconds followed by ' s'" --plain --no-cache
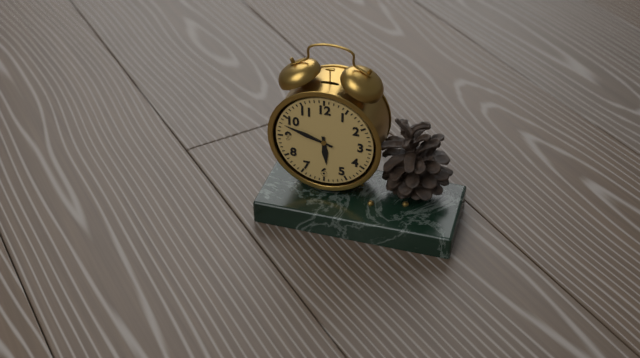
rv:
5 h 48 min
